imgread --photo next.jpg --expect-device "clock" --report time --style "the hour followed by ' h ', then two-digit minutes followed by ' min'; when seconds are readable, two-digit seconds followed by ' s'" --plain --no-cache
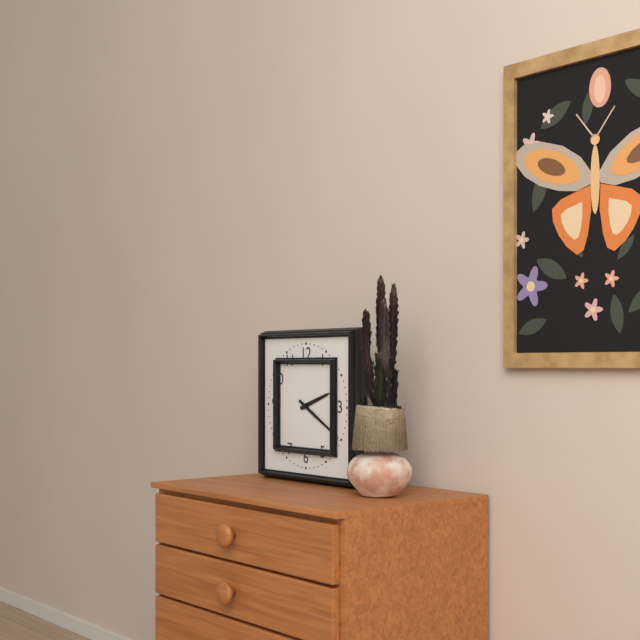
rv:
2 h 20 min
